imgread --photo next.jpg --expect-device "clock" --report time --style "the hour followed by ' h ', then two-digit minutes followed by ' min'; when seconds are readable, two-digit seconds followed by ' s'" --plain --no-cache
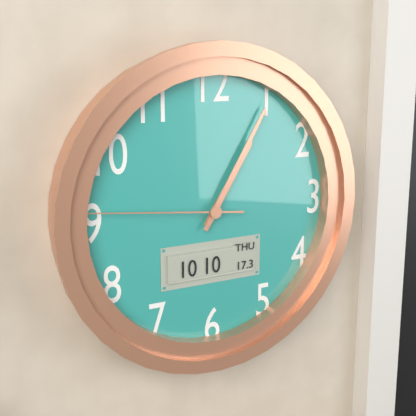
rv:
1 h 05 min 46 s
